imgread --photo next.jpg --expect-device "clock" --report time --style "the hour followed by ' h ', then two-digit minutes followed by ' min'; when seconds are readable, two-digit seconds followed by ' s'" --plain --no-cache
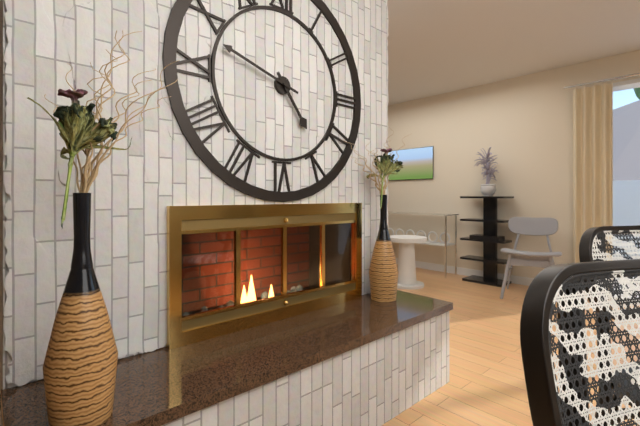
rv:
4 h 48 min
